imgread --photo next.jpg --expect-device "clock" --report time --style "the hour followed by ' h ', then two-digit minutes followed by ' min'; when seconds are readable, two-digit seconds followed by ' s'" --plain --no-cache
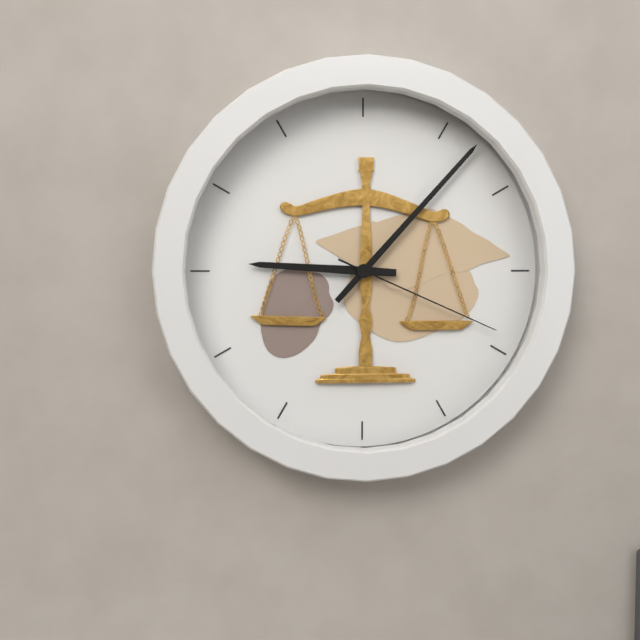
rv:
9 h 07 min 19 s
